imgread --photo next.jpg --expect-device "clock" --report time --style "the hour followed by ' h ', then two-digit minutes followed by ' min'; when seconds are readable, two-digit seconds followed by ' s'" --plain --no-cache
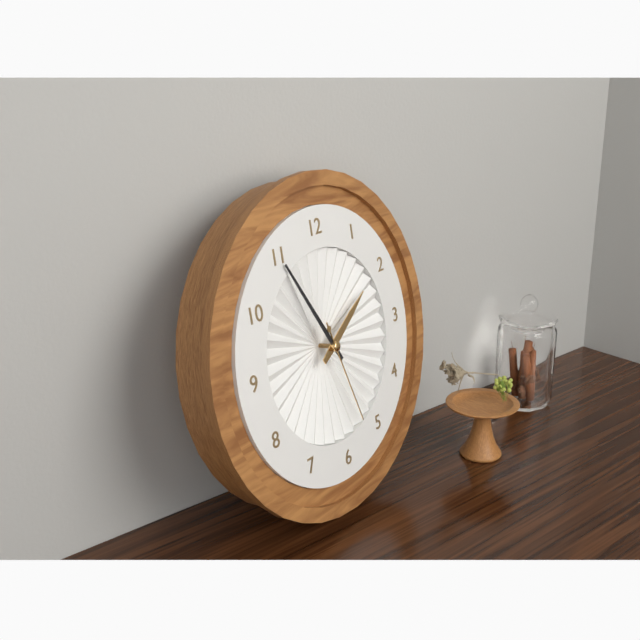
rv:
1 h 55 min 27 s
